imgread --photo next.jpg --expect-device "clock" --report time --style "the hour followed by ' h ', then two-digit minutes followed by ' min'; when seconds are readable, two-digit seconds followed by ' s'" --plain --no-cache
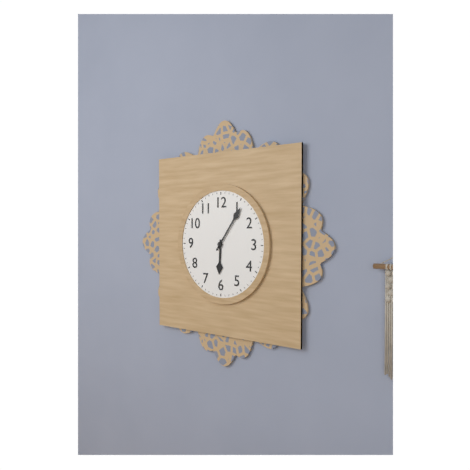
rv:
6 h 06 min
